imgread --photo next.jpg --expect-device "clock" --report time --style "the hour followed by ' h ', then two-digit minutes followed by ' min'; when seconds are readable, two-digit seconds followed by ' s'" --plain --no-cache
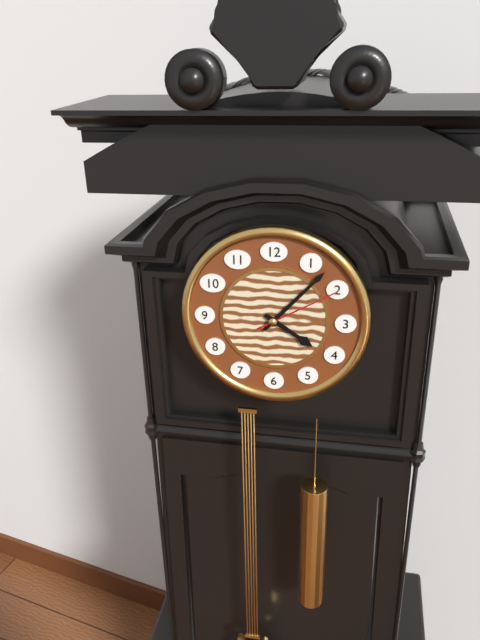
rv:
4 h 07 min 10 s
